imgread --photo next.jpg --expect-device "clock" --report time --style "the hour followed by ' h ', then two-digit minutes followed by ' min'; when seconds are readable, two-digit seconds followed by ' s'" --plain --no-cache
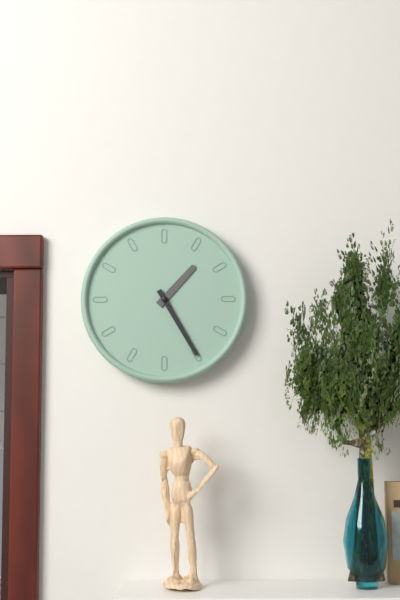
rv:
1 h 25 min
